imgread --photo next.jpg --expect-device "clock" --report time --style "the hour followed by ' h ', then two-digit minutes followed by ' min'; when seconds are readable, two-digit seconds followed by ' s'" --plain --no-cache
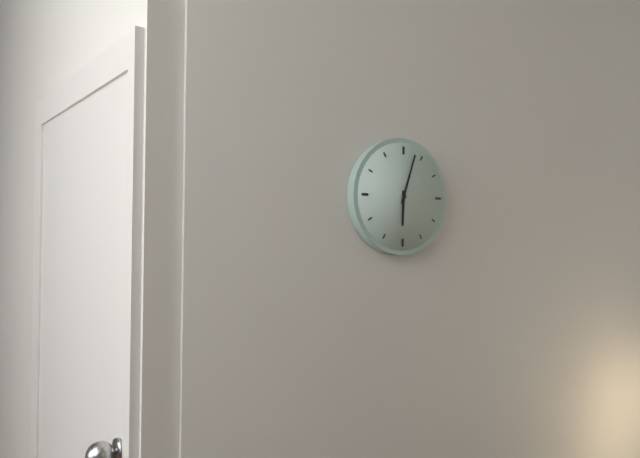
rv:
6 h 03 min
